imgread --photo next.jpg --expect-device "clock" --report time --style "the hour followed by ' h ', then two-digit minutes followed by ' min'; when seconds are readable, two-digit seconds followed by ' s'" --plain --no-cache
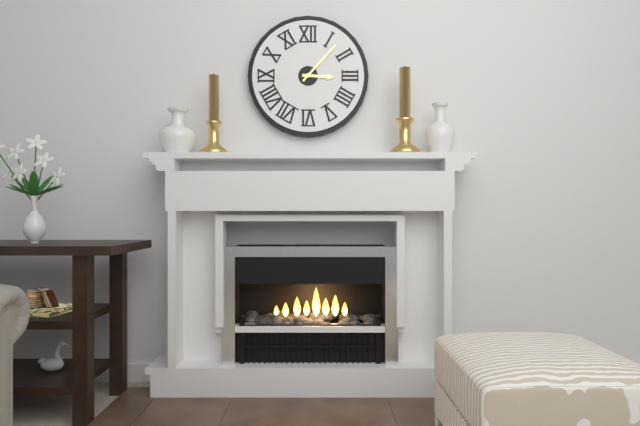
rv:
3 h 07 min
